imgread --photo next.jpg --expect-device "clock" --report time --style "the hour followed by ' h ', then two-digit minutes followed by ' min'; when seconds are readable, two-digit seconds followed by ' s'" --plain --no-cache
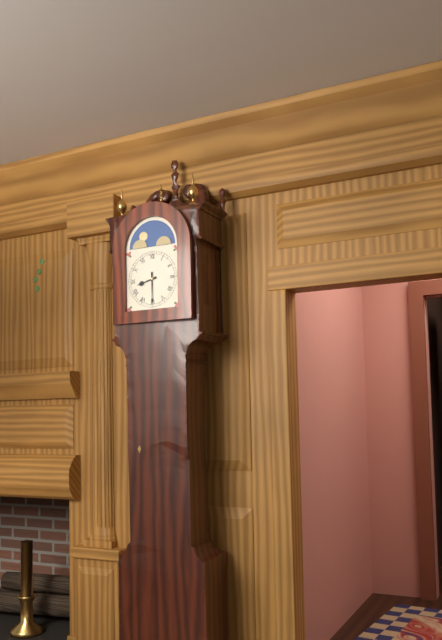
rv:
8 h 30 min
